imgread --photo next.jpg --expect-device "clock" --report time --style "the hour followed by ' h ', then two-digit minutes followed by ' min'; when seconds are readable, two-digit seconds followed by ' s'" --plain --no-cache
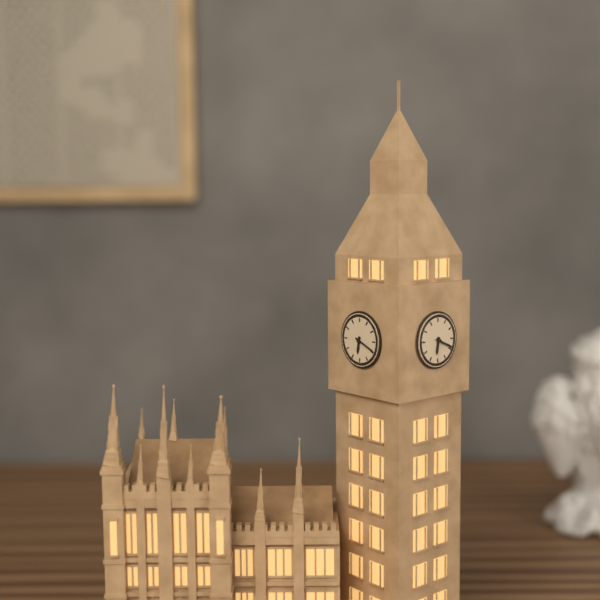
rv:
6 h 19 min
